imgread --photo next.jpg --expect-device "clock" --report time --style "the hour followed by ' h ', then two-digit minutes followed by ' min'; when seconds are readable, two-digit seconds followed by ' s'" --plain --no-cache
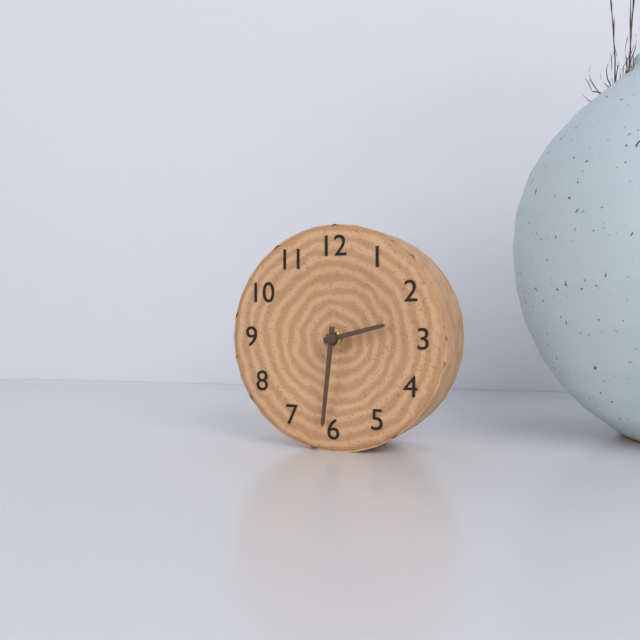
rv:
2 h 31 min
